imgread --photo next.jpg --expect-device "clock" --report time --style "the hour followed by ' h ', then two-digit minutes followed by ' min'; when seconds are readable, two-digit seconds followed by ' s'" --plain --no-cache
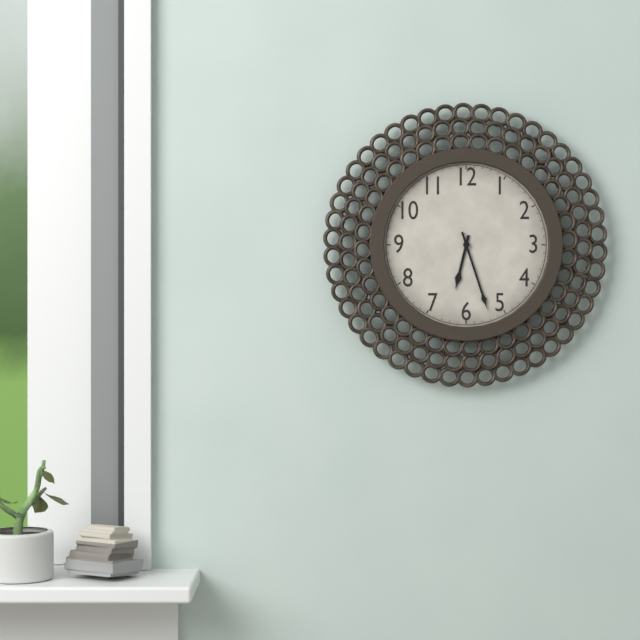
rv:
6 h 27 min
